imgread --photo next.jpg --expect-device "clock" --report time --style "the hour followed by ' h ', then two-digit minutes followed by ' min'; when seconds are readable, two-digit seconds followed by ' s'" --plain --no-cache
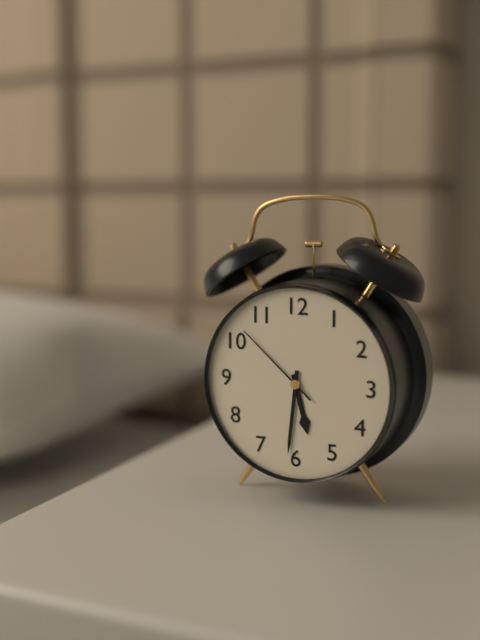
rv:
5 h 31 min 52 s
